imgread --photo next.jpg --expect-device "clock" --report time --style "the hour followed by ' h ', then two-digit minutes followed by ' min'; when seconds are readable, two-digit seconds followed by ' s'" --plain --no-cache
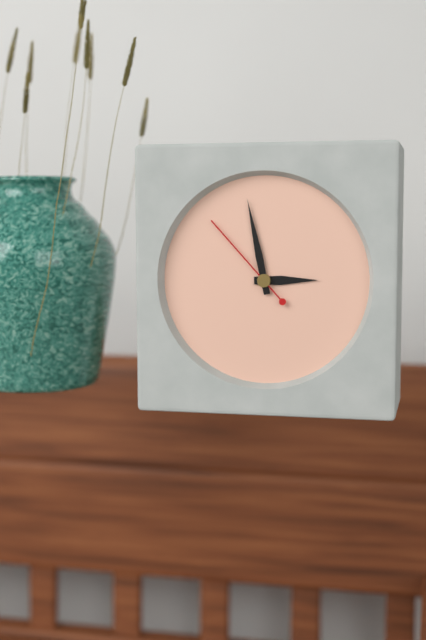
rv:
2 h 58 min 53 s
